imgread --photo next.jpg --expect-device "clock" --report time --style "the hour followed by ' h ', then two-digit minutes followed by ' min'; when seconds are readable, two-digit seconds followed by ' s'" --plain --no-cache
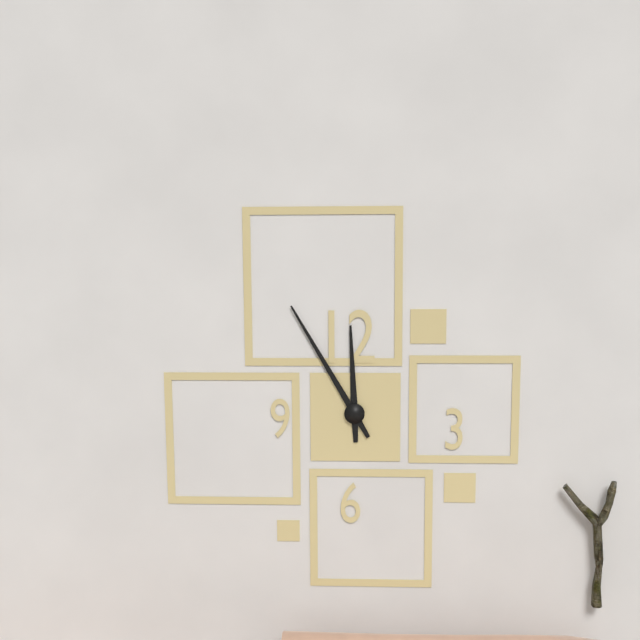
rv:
11 h 55 min
